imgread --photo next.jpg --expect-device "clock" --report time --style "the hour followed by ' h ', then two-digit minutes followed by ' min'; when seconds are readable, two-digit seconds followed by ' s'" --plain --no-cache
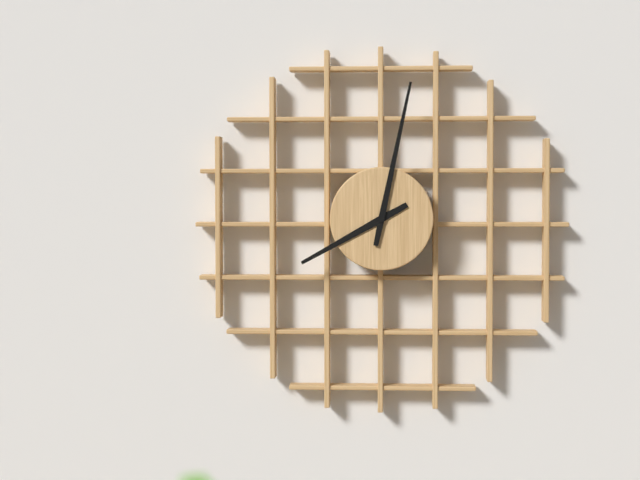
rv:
8 h 02 min
